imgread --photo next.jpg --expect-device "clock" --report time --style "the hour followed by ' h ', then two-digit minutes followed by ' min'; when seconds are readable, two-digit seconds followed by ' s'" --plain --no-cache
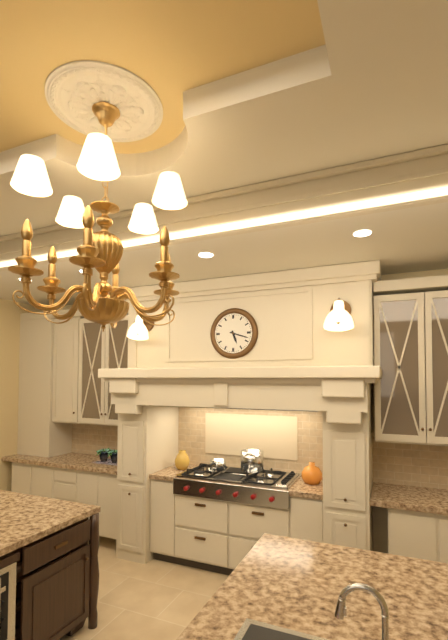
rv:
5 h 18 min
